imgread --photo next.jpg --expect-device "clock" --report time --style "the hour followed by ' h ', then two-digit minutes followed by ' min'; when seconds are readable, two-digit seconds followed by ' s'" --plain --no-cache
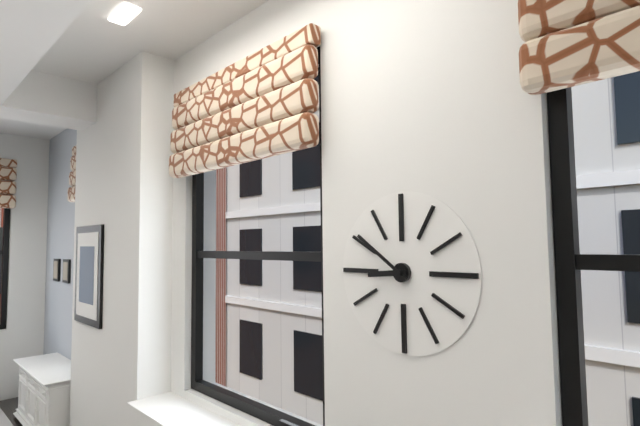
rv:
8 h 51 min
